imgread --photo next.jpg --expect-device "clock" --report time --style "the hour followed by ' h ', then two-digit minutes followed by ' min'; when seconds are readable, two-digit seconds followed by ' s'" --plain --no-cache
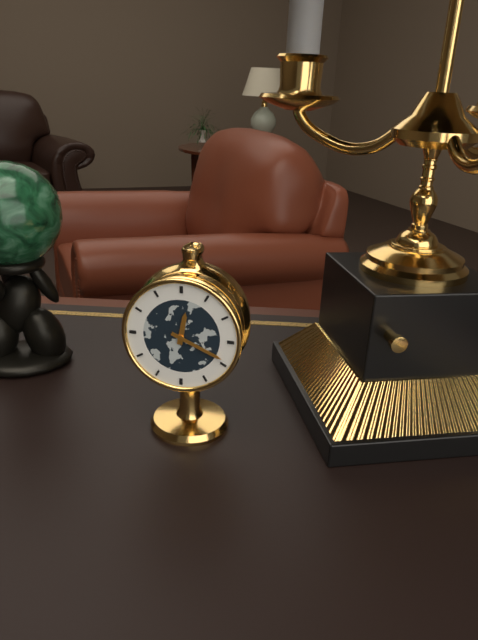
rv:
12 h 19 min
